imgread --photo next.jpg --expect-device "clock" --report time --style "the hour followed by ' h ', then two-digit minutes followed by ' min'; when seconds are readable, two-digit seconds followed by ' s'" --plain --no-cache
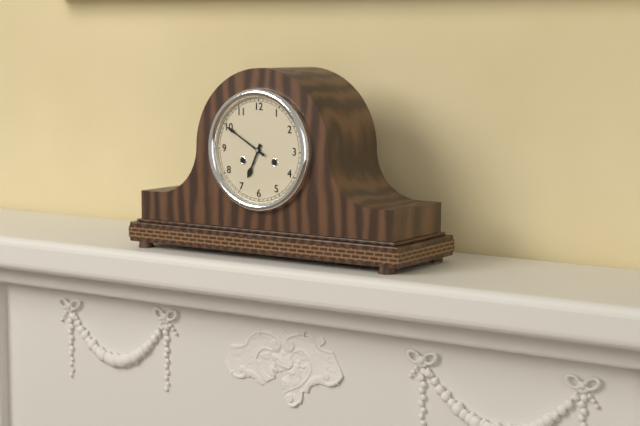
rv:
6 h 50 min
